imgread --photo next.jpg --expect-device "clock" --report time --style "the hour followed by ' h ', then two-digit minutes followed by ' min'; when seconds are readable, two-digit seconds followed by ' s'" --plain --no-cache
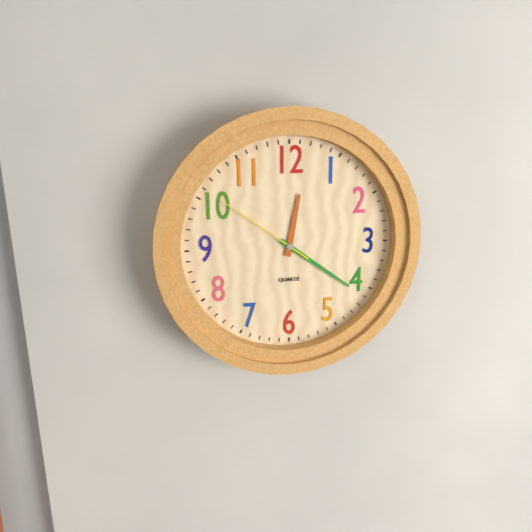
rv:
12 h 21 min 51 s
